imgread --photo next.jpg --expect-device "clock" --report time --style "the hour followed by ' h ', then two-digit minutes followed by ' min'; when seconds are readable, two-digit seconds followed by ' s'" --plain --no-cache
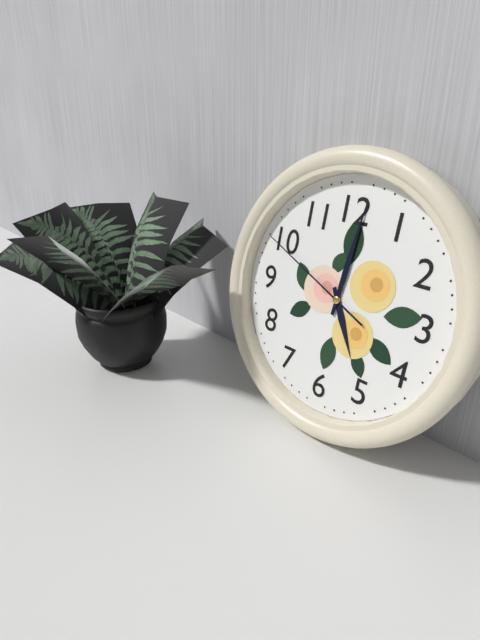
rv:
5 h 01 min 49 s
